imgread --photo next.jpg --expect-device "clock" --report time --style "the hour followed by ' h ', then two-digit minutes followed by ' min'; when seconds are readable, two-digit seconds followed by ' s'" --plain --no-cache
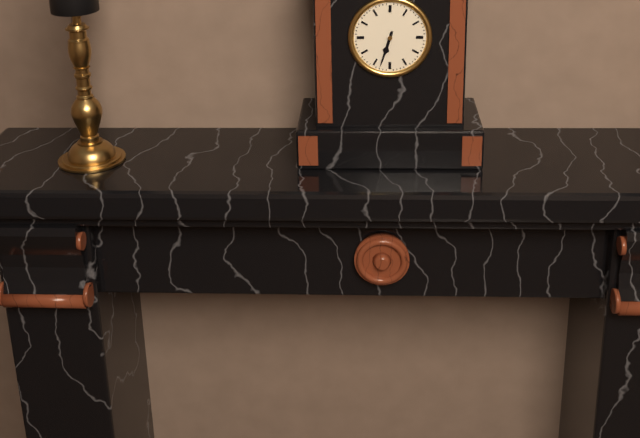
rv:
6 h 33 min
